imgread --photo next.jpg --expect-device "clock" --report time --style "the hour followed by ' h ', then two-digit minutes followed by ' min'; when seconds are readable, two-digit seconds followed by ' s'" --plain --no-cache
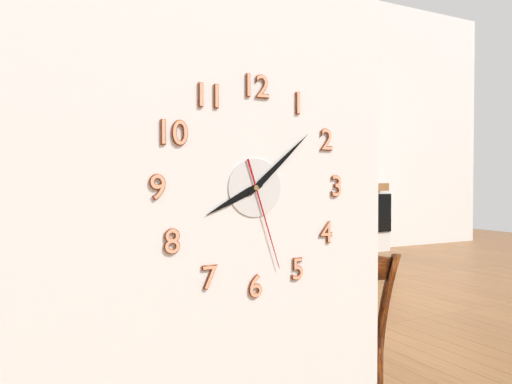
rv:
8 h 08 min 27 s
